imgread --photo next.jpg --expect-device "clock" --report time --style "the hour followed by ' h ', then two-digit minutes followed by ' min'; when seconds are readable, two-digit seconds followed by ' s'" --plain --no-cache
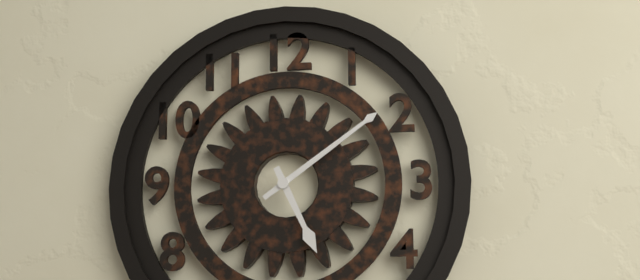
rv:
5 h 09 min
